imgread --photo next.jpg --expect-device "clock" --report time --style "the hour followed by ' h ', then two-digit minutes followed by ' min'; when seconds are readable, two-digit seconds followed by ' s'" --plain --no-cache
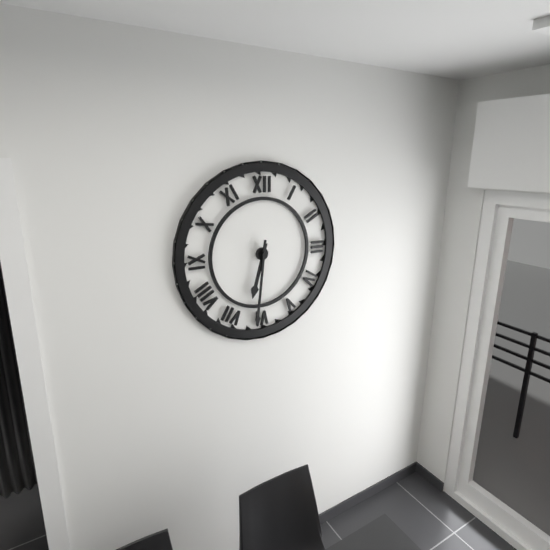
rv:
6 h 31 min
